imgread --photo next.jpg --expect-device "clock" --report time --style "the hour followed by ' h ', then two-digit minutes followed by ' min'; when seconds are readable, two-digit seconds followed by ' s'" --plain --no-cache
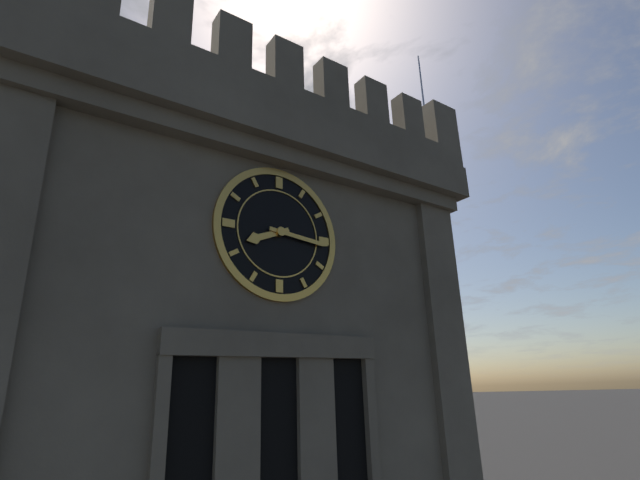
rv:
8 h 16 min
